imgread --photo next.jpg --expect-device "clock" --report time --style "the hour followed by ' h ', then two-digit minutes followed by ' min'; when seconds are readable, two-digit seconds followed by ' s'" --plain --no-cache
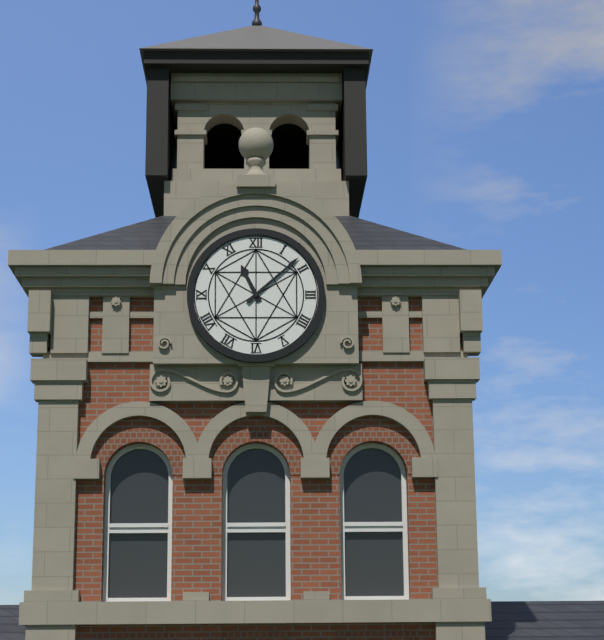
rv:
11 h 08 min
